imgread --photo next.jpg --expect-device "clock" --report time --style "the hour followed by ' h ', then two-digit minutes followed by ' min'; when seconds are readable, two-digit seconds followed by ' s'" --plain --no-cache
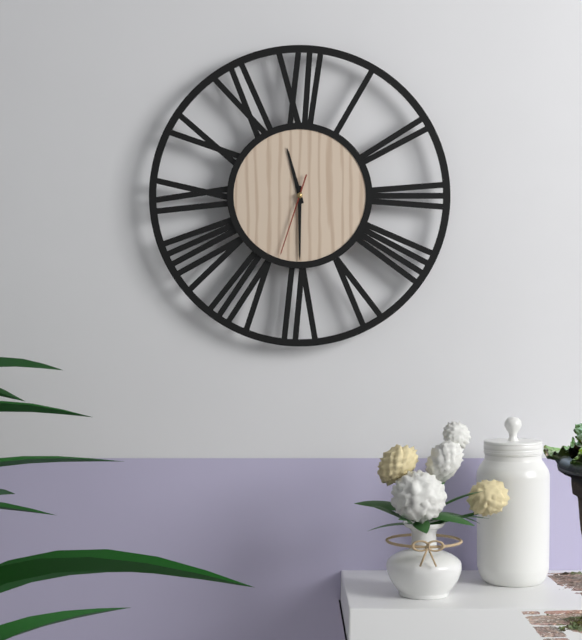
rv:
11 h 30 min 33 s
